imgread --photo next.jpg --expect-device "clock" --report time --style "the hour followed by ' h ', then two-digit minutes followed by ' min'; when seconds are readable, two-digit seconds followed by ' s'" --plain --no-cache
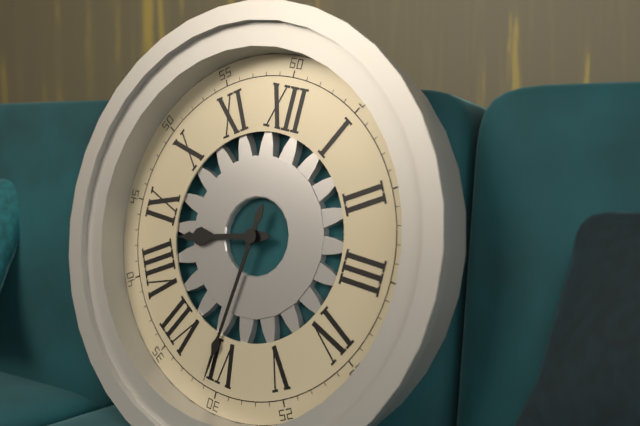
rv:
8 h 31 min
